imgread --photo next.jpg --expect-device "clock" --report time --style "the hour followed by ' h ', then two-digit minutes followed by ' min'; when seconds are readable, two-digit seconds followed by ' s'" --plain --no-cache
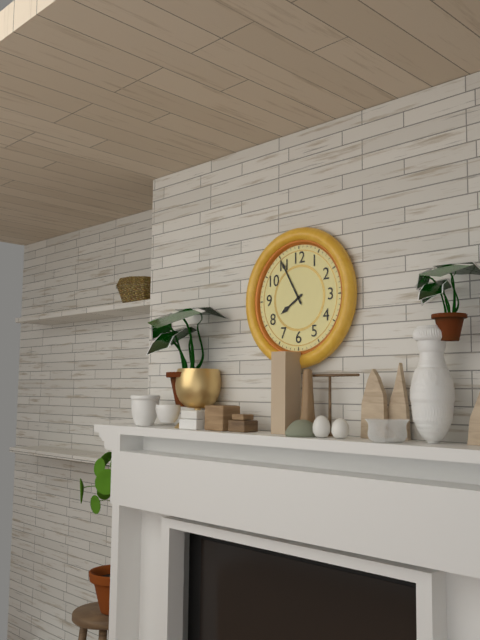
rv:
7 h 55 min
